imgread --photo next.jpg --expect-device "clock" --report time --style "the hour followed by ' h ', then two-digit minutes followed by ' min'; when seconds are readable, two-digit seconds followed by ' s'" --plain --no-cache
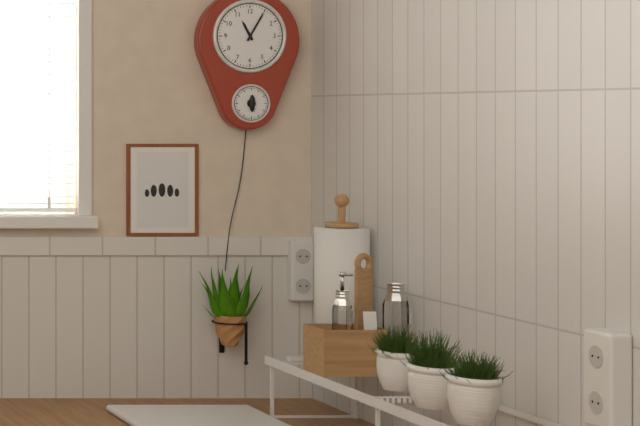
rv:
11 h 05 min
